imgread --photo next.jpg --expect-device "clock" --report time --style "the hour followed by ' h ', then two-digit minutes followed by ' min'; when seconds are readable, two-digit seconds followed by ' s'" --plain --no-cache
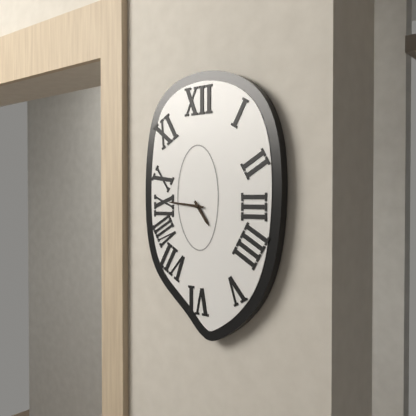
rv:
4 h 46 min
